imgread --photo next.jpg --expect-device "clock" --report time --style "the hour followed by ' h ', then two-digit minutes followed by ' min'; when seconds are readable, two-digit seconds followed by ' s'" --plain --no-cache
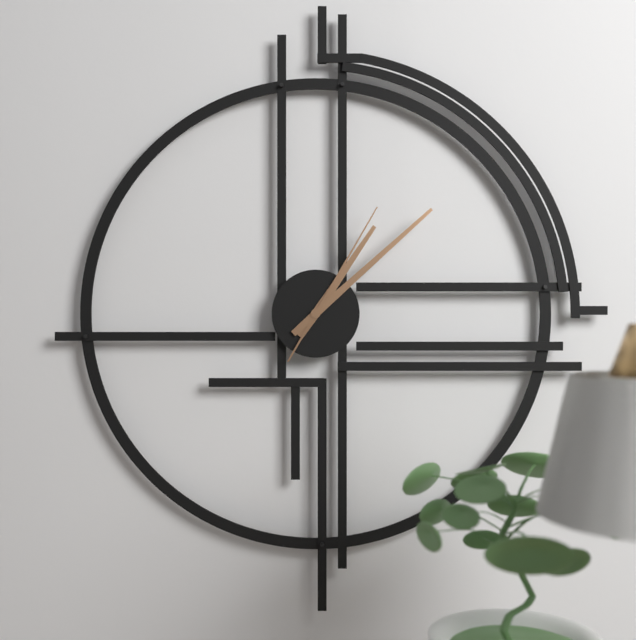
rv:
1 h 08 min 05 s
